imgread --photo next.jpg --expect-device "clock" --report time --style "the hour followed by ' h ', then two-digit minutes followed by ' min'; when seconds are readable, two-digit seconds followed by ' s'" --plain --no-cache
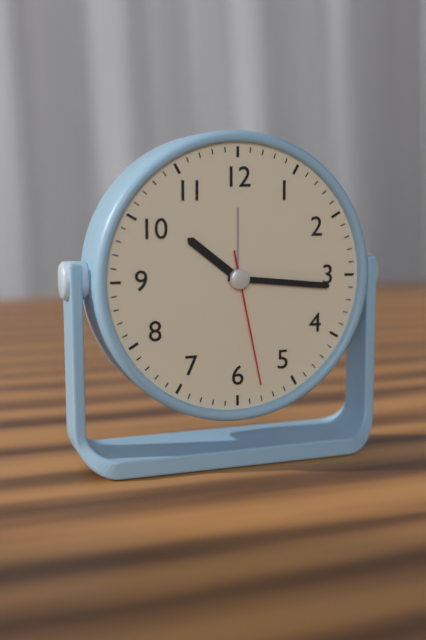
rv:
10 h 16 min 28 s
